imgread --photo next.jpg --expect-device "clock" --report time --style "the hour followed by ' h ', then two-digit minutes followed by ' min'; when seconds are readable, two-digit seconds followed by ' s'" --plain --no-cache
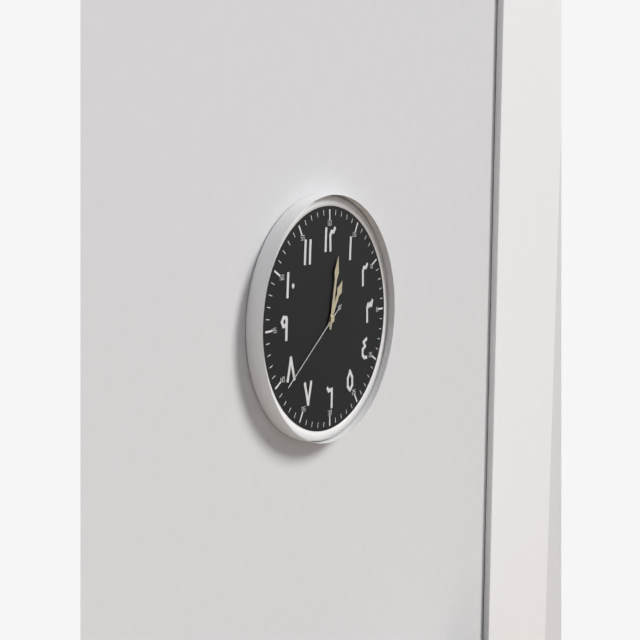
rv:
1 h 02 min 39 s
